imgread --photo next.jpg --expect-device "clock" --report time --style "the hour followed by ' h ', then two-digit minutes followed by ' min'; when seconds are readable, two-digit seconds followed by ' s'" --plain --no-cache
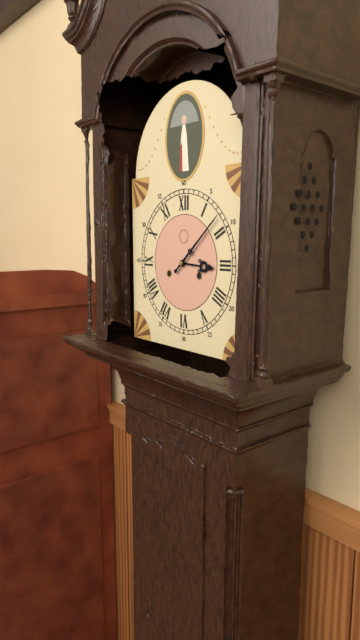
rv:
3 h 08 min
